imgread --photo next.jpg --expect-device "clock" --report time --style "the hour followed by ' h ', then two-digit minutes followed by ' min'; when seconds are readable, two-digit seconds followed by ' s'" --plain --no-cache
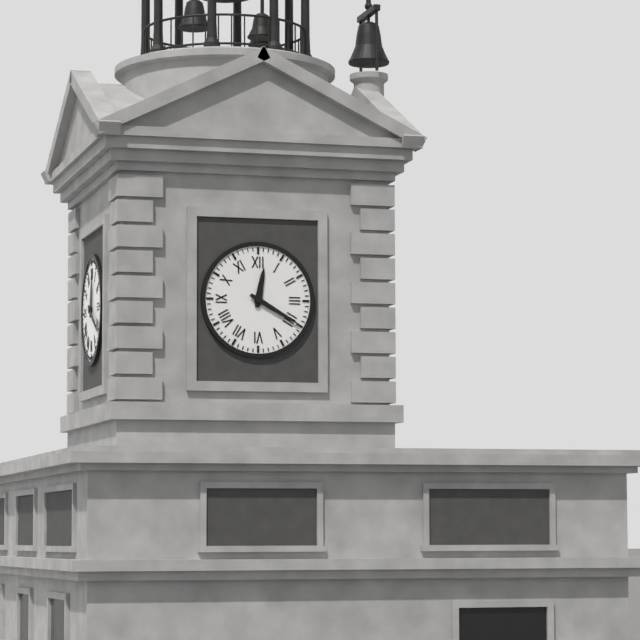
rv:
12 h 20 min
